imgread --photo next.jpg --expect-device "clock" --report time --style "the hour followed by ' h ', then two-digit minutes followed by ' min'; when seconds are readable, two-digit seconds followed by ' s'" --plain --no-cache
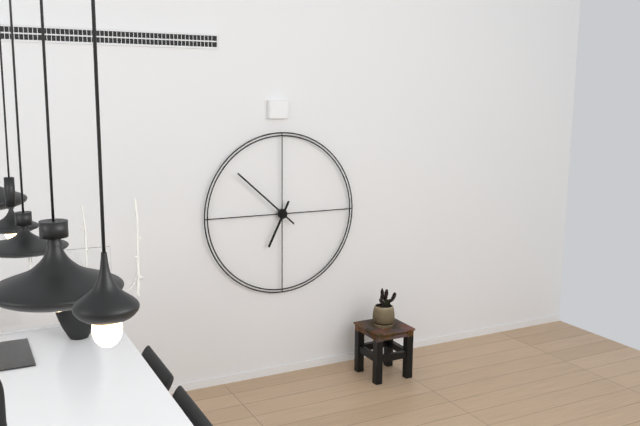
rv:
6 h 52 min
